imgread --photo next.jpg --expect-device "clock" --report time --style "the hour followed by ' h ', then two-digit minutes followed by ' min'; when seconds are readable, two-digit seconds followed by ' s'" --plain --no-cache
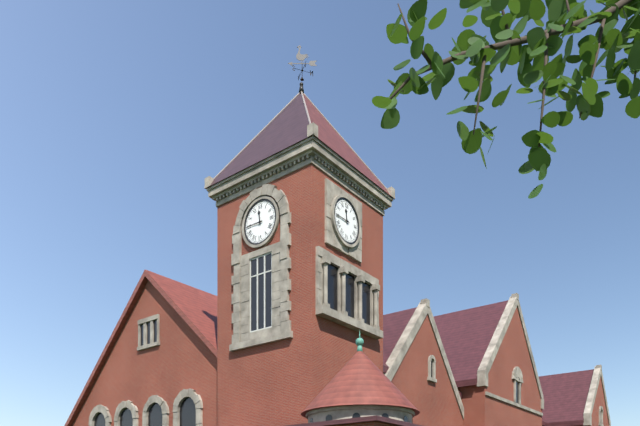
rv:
11 h 45 min
